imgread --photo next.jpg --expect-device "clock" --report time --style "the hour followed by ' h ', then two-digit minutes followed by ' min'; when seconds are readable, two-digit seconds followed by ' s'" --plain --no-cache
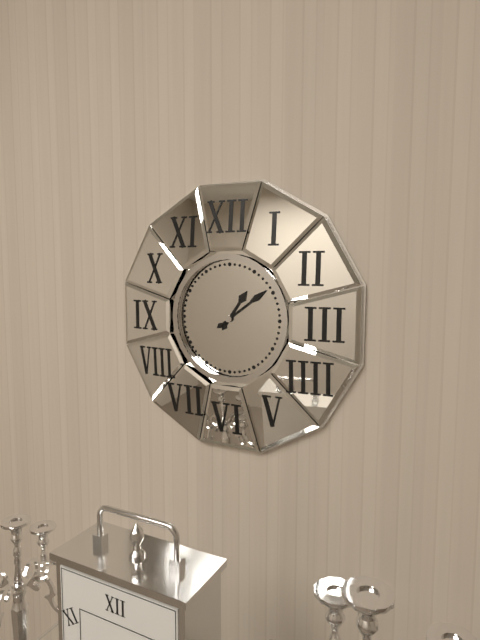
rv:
1 h 09 min
